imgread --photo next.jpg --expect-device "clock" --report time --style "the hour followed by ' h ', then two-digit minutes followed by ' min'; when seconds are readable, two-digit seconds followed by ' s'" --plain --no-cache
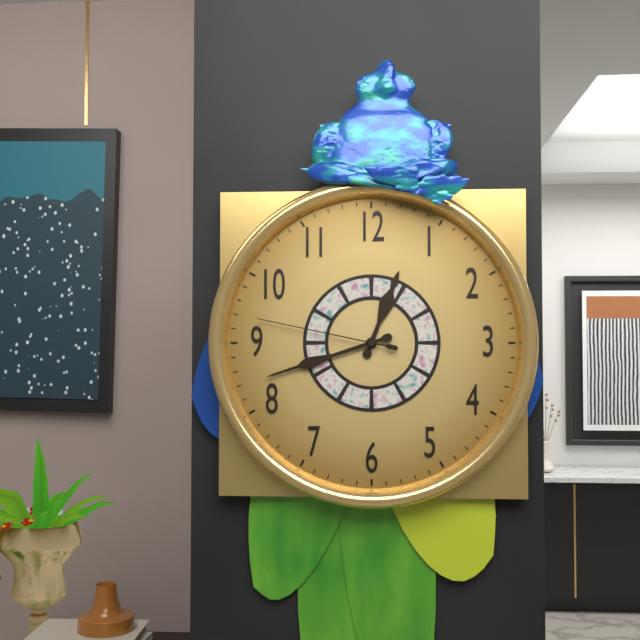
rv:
12 h 42 min 47 s
